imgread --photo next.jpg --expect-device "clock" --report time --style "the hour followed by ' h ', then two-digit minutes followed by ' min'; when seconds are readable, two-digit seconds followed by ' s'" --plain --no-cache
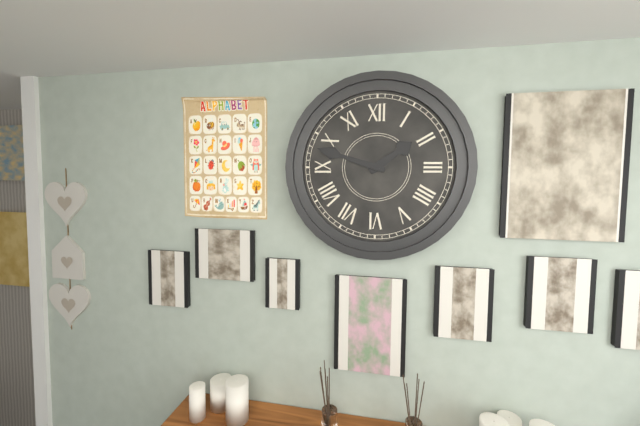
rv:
1 h 48 min
